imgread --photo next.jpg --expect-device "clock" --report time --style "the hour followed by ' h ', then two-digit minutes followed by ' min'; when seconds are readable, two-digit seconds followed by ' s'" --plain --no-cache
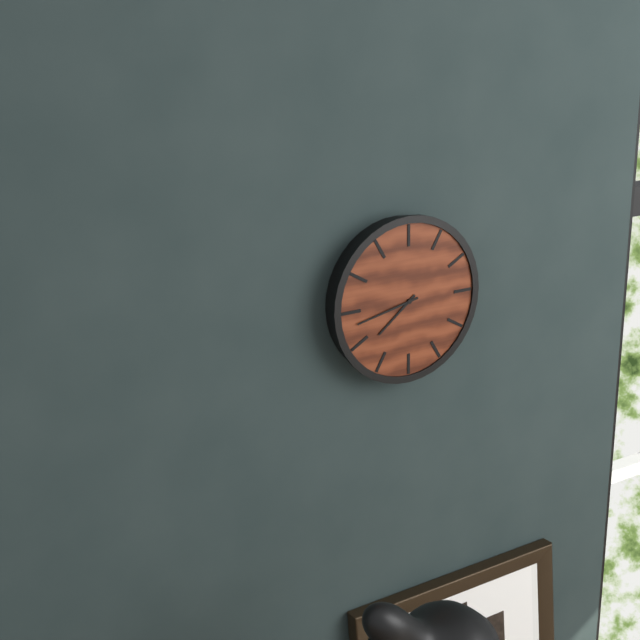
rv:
7 h 43 min
